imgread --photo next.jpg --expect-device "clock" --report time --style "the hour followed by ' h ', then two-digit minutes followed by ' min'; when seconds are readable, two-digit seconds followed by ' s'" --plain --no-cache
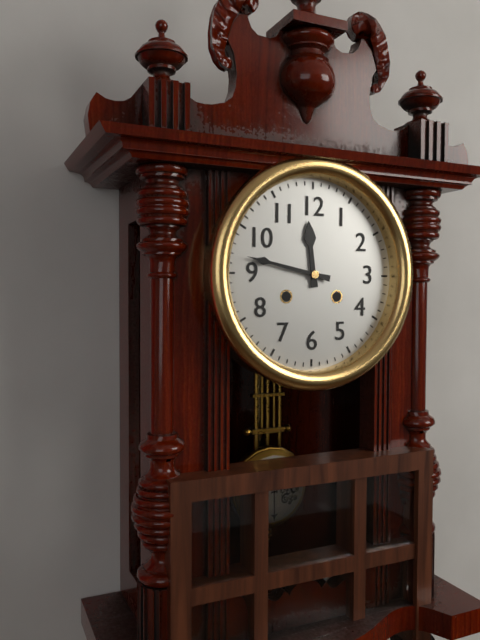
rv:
11 h 47 min
